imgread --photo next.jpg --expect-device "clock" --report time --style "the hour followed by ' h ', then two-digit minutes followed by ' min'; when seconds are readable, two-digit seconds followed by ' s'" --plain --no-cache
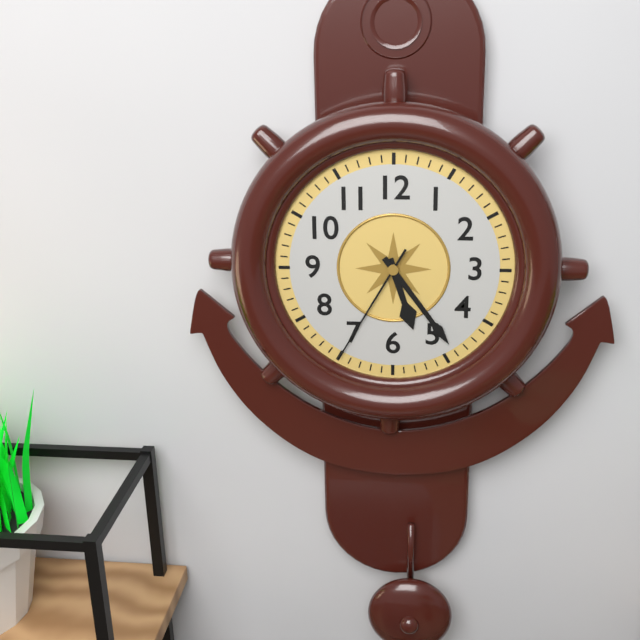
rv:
5 h 24 min 35 s
